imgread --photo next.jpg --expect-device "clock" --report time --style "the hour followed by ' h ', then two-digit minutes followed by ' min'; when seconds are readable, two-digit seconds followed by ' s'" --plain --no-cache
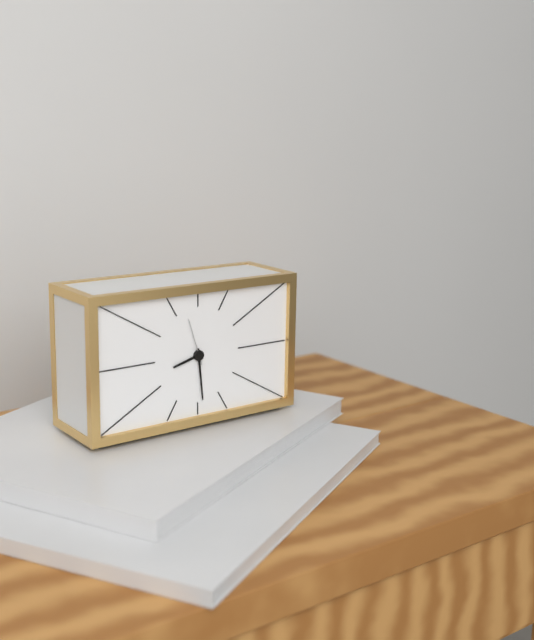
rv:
8 h 29 min
